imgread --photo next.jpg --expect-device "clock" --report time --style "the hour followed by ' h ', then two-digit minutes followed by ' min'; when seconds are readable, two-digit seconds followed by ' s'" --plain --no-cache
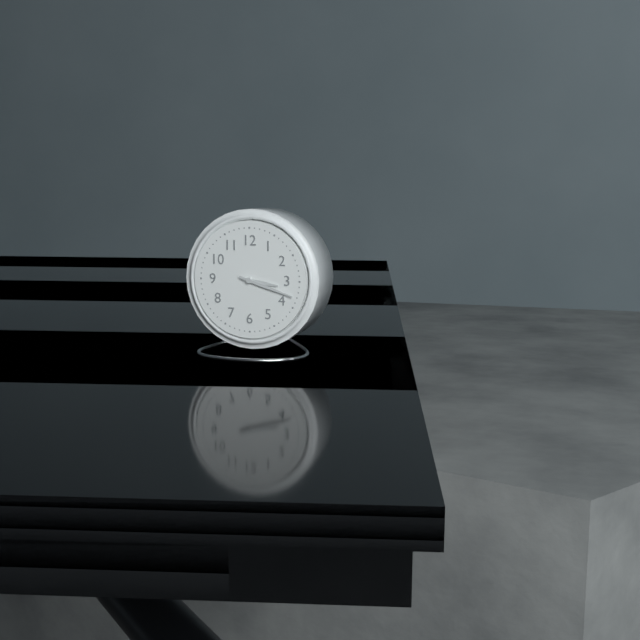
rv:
3 h 18 min
